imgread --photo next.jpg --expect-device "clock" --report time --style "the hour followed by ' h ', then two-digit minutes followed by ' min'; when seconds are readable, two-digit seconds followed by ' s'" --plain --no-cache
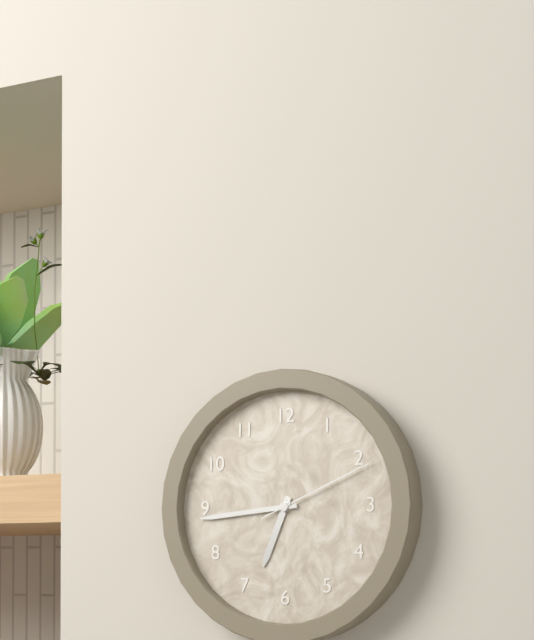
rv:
6 h 44 min 11 s
